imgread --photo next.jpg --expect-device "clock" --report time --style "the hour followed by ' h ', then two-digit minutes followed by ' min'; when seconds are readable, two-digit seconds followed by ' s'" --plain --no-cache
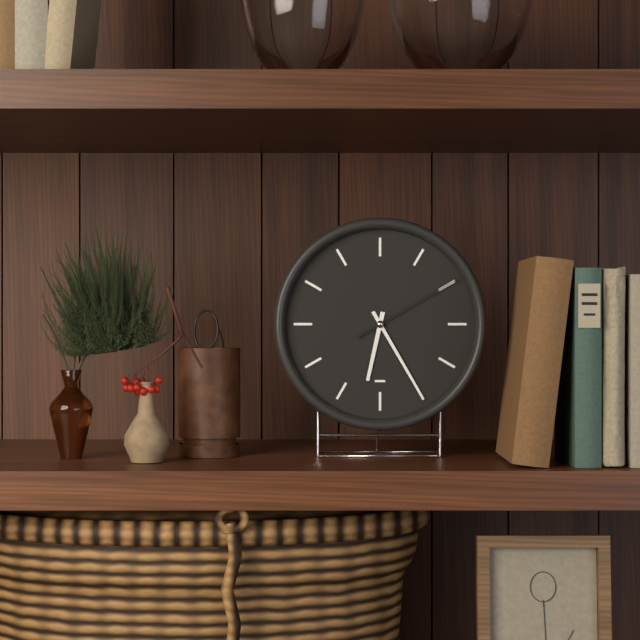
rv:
6 h 25 min 10 s
